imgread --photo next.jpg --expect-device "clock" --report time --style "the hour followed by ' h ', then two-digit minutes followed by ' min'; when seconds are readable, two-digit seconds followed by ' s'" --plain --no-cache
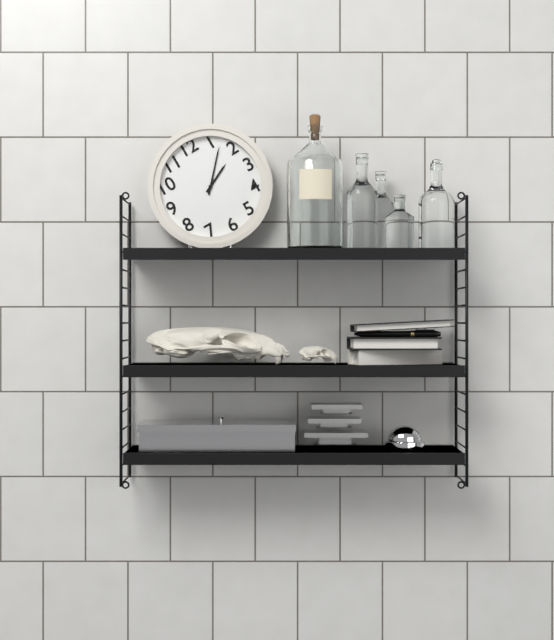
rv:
2 h 07 min
